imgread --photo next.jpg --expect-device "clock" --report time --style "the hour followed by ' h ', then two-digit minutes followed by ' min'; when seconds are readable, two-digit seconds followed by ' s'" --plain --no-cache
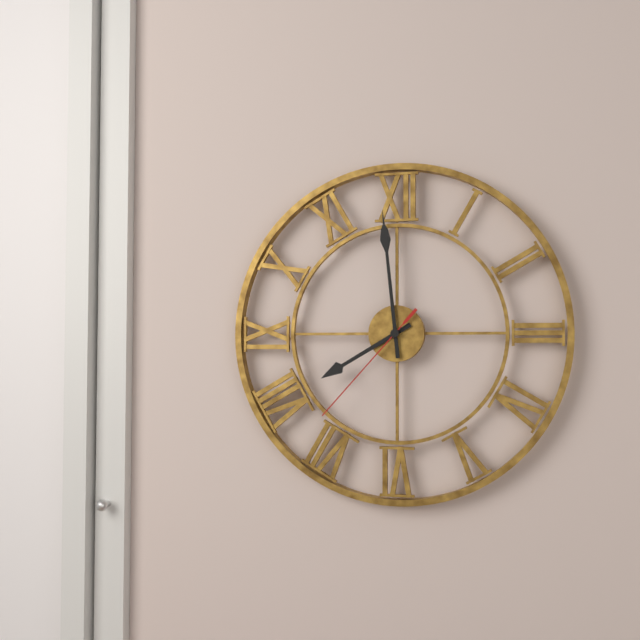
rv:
7 h 59 min 37 s
